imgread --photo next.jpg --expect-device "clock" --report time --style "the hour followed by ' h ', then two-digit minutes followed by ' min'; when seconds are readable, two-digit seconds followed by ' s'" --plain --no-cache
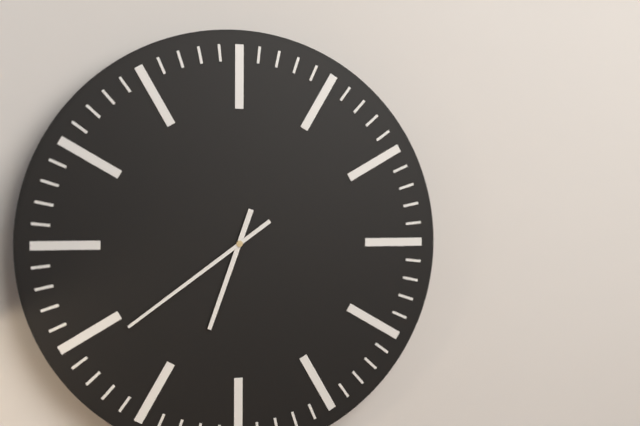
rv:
6 h 39 min
